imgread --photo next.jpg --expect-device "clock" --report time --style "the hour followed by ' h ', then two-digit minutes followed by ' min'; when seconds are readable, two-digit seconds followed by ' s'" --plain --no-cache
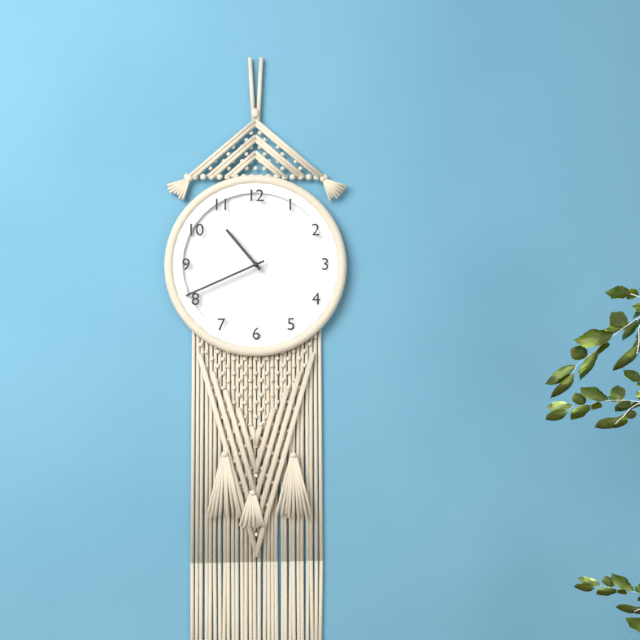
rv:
10 h 41 min
